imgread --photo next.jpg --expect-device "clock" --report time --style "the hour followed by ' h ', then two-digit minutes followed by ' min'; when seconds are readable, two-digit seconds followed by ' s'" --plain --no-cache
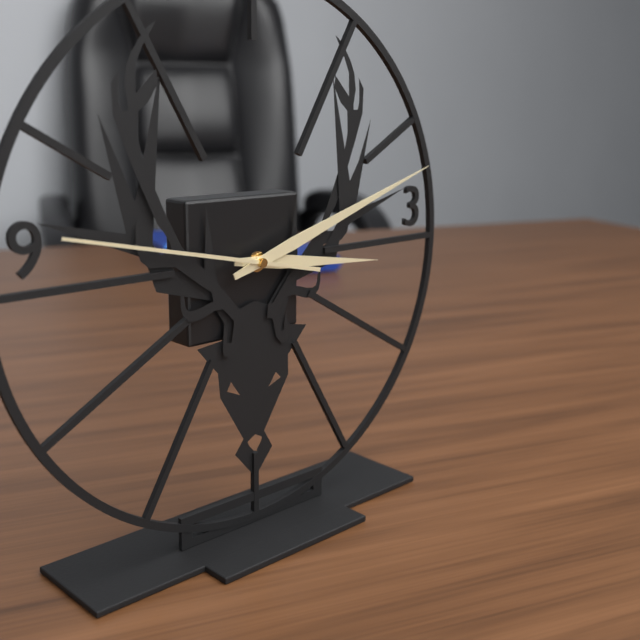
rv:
3 h 12 min 47 s
